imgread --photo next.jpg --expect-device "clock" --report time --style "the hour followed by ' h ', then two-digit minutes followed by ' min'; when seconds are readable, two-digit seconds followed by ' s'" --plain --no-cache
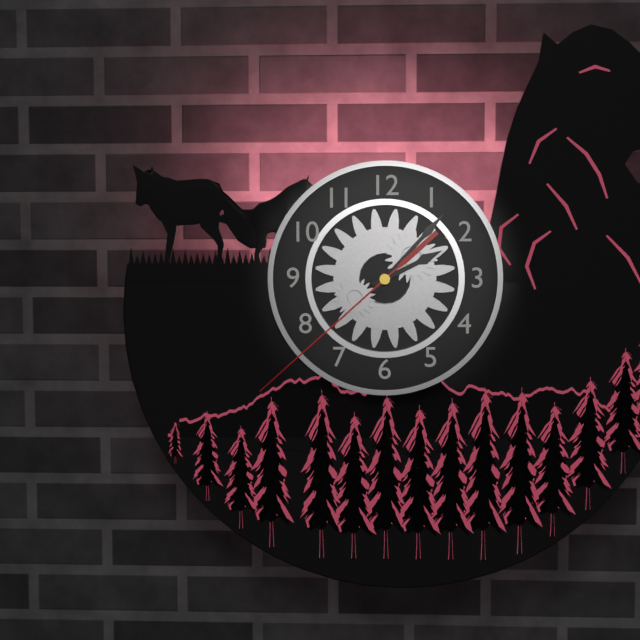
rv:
2 h 07 min 38 s
